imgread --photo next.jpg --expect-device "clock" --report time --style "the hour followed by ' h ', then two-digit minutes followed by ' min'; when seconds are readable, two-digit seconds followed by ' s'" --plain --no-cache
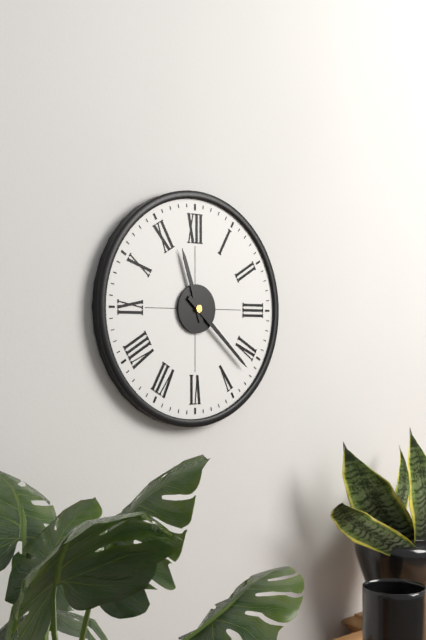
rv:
11 h 22 min
